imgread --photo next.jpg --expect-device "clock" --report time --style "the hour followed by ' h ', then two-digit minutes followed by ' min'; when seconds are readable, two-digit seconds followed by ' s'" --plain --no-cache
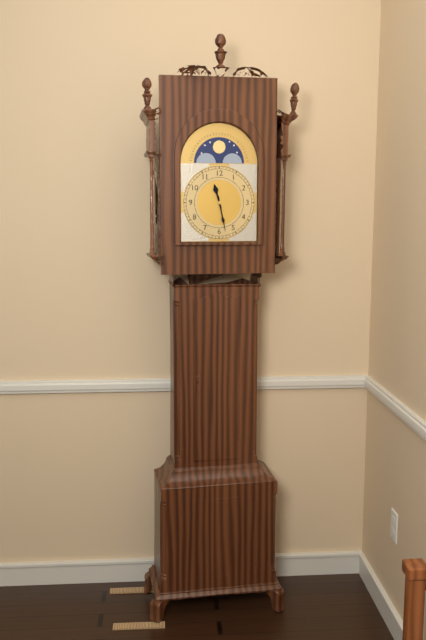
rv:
11 h 28 min
